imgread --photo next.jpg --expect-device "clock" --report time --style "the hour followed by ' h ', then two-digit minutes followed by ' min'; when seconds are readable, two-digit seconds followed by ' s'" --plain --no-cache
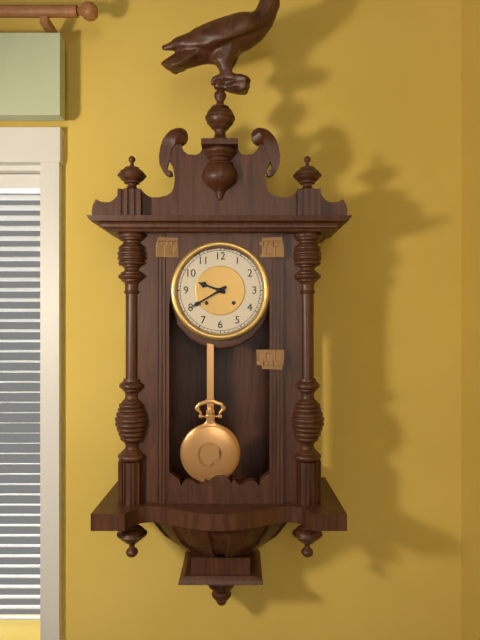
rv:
9 h 40 min
